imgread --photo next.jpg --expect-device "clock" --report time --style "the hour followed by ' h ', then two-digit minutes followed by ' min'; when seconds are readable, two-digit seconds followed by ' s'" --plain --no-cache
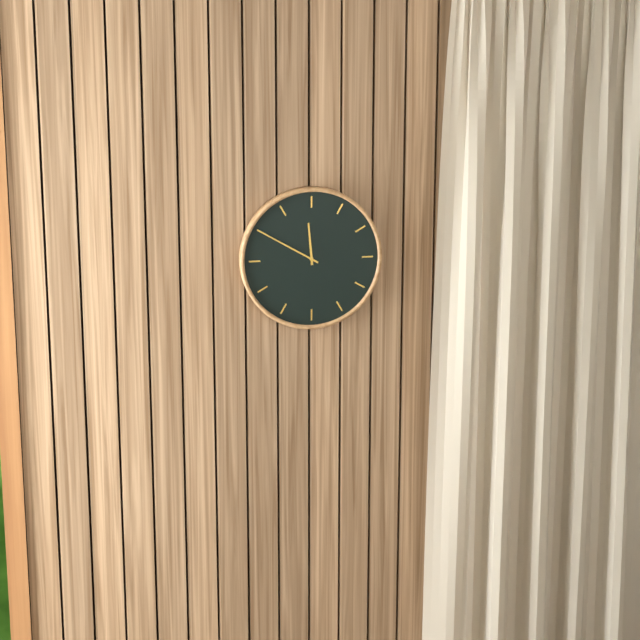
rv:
11 h 50 min
